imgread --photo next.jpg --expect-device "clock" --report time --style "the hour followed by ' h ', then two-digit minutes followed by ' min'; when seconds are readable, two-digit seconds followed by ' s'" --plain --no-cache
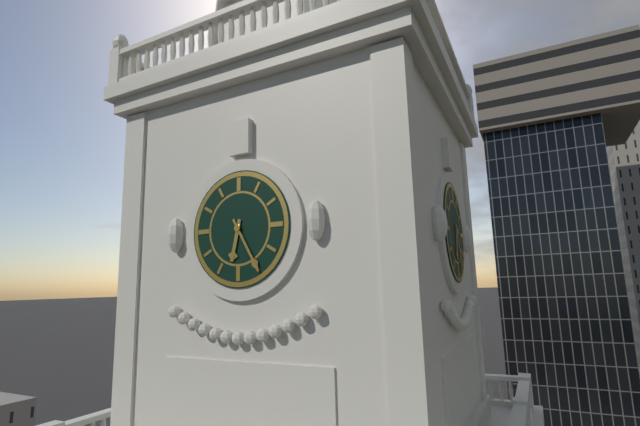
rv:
6 h 25 min
